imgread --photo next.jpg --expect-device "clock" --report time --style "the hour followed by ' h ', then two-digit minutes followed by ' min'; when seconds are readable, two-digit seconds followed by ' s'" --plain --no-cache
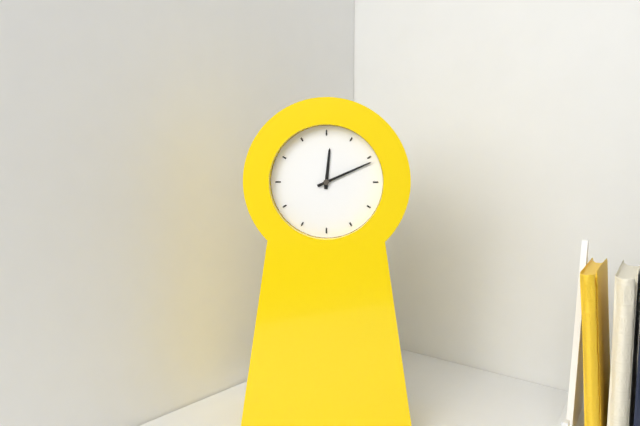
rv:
12 h 11 min
